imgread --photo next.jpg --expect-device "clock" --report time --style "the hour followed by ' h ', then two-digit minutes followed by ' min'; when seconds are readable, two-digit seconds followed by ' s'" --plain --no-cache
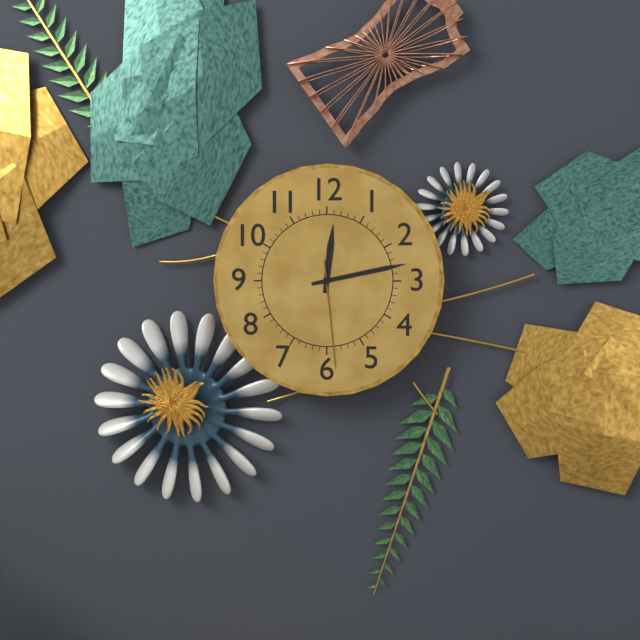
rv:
12 h 13 min 29 s
